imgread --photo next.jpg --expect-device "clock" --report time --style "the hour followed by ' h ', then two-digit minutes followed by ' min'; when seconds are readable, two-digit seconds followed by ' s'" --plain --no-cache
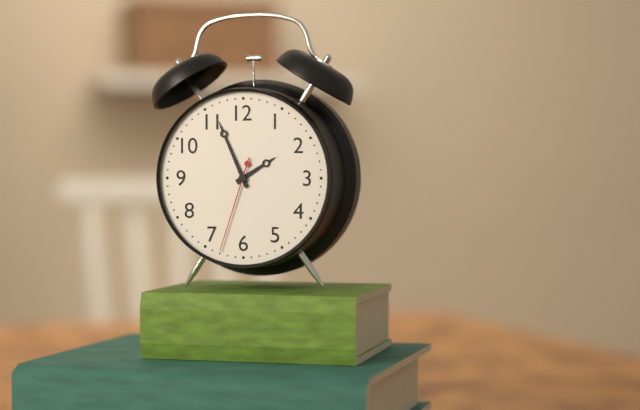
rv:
1 h 56 min 33 s
